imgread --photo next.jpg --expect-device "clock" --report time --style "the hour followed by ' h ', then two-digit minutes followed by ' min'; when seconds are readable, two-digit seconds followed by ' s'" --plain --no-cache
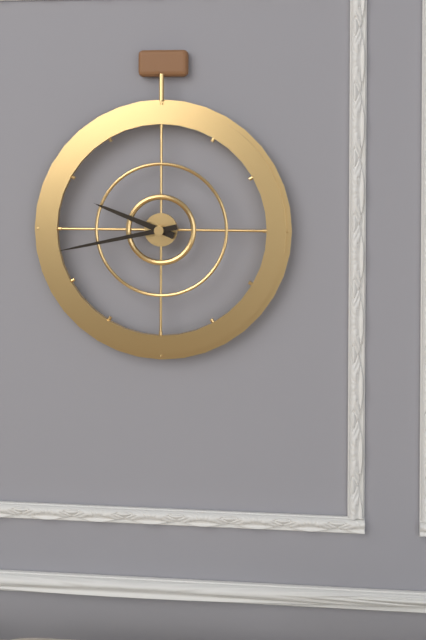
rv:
9 h 43 min
